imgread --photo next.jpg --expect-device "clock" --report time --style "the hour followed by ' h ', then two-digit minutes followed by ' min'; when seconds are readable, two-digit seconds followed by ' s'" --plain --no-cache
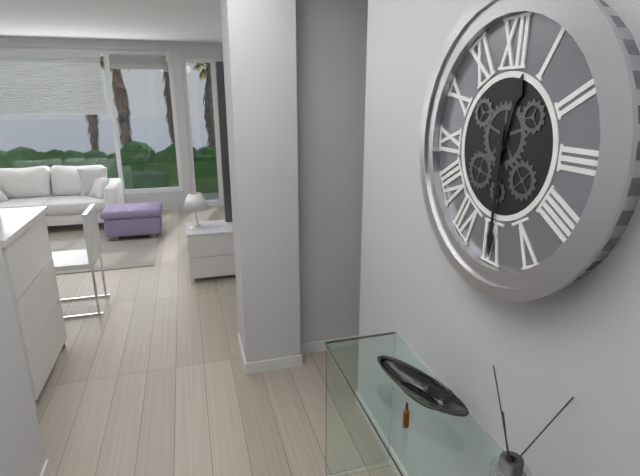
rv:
12 h 30 min
